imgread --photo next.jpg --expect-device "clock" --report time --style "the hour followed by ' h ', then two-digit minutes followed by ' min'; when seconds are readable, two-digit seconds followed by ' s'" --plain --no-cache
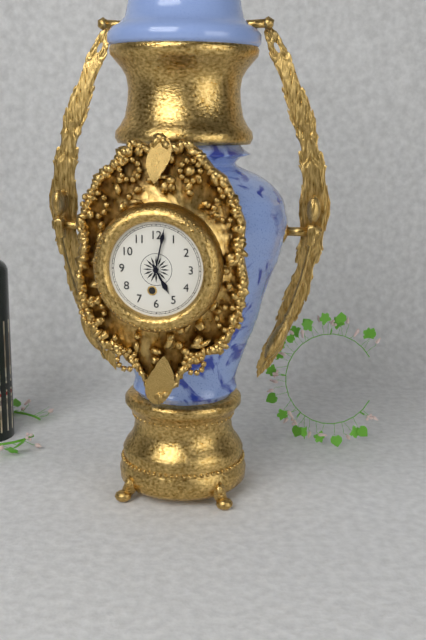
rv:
5 h 02 min
